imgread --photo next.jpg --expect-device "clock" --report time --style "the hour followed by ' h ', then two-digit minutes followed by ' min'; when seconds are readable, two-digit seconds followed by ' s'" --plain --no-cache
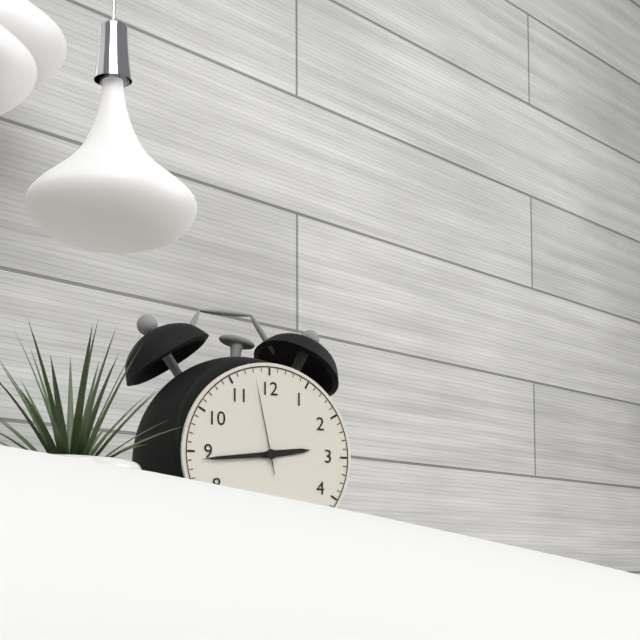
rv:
2 h 44 min 58 s
